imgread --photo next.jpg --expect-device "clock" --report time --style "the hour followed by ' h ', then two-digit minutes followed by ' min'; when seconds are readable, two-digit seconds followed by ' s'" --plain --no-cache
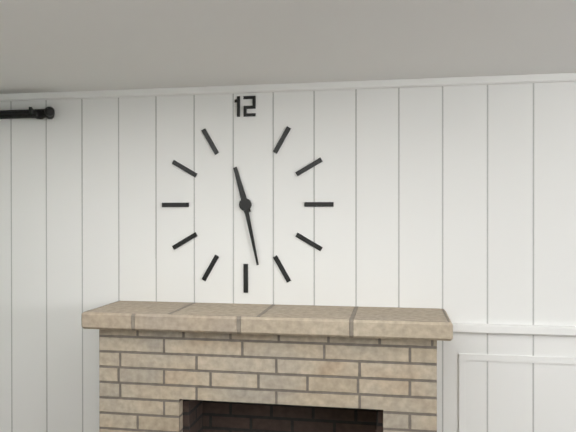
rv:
11 h 28 min
